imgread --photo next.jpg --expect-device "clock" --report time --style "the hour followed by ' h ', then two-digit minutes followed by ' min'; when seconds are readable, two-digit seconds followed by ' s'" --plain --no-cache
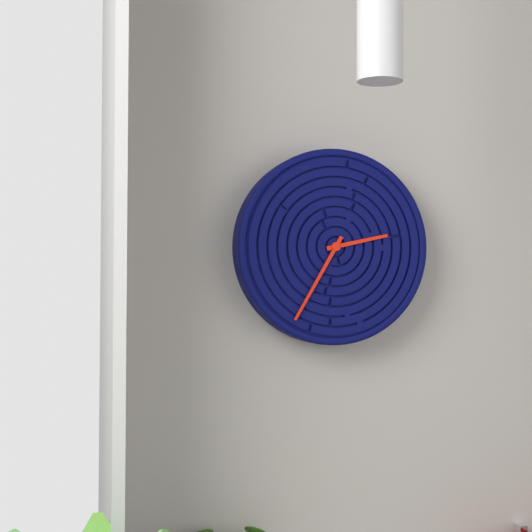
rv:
2 h 35 min
